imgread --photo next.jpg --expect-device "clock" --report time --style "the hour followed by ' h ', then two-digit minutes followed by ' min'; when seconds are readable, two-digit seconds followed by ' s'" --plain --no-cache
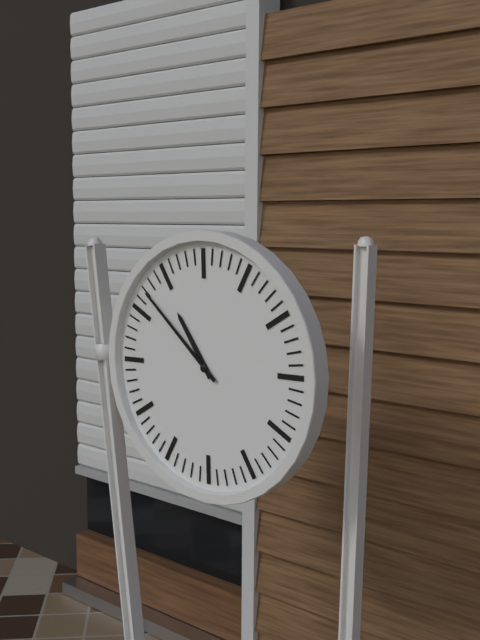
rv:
10 h 52 min
